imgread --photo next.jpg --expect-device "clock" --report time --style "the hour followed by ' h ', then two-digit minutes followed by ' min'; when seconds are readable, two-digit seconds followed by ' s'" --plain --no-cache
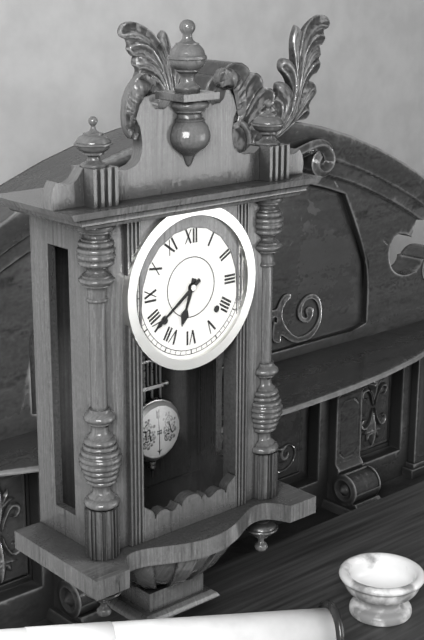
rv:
6 h 39 min
